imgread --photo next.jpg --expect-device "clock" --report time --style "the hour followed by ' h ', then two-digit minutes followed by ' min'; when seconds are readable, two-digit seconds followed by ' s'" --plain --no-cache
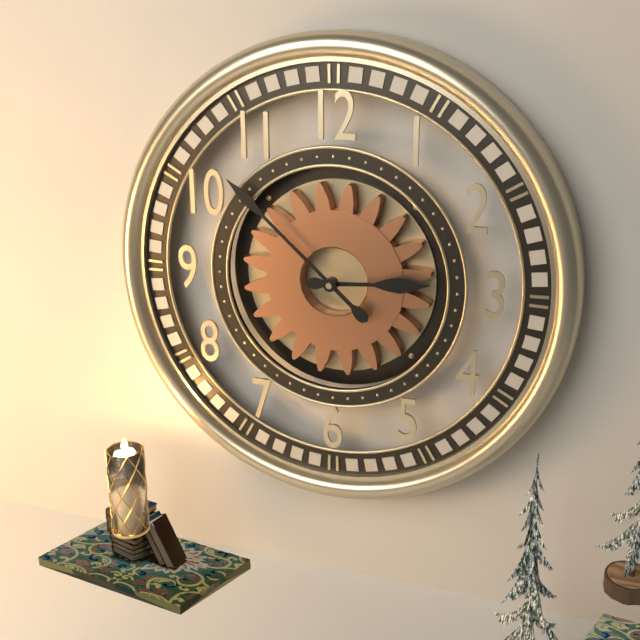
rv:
2 h 52 min
